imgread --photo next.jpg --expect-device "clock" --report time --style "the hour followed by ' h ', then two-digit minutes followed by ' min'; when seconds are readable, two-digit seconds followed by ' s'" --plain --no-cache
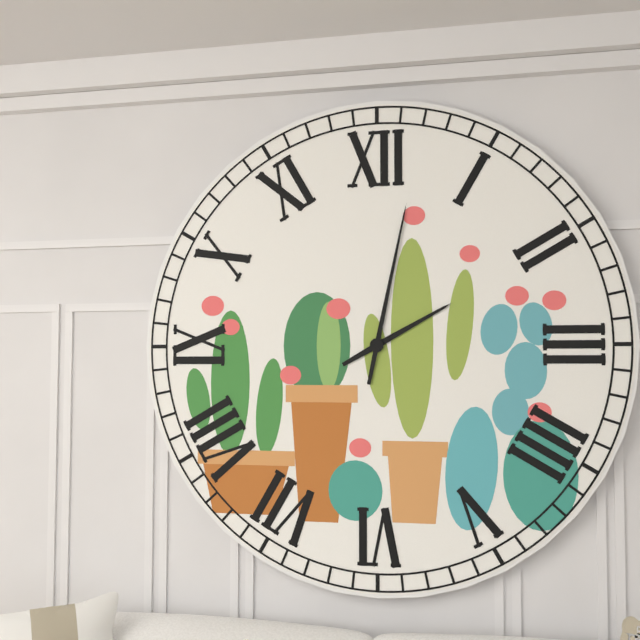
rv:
2 h 02 min
